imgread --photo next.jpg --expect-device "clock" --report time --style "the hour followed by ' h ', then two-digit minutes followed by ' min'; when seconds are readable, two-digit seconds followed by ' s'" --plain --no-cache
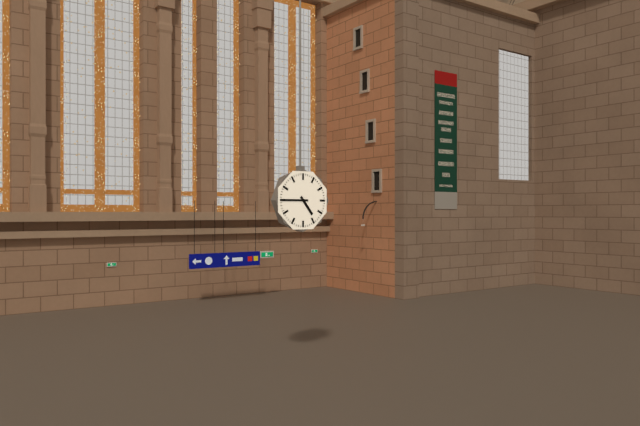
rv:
4 h 45 min
